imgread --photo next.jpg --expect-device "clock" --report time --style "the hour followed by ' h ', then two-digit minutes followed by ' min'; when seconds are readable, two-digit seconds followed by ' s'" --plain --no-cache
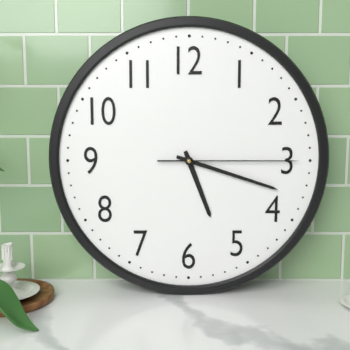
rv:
5 h 18 min 15 s
